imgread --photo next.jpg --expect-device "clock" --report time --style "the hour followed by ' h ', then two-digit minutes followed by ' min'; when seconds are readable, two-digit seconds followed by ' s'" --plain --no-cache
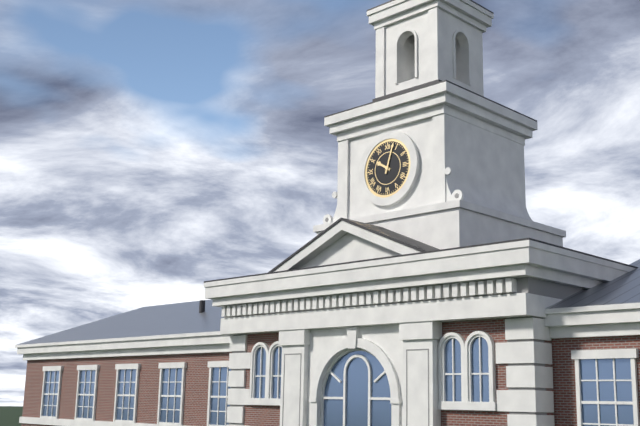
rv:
10 h 03 min
